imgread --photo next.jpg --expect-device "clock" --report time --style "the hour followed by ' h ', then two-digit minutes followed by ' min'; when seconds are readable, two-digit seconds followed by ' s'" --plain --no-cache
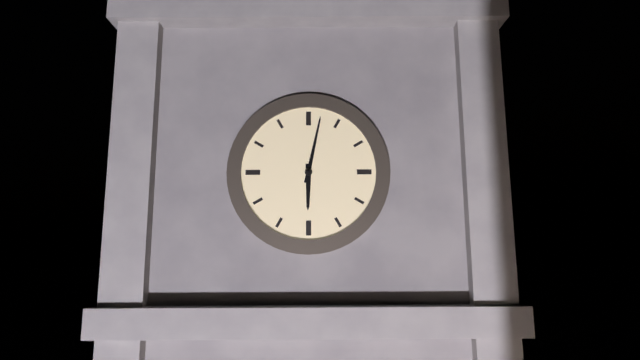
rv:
6 h 02 min
